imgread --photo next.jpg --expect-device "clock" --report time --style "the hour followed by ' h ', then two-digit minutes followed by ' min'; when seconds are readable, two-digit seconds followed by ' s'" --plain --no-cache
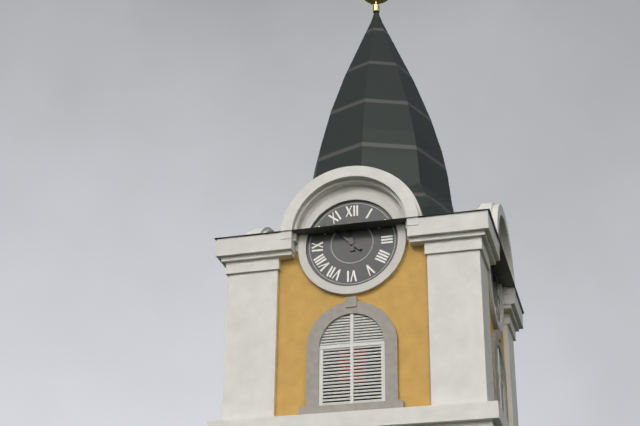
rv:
11 h 52 min
